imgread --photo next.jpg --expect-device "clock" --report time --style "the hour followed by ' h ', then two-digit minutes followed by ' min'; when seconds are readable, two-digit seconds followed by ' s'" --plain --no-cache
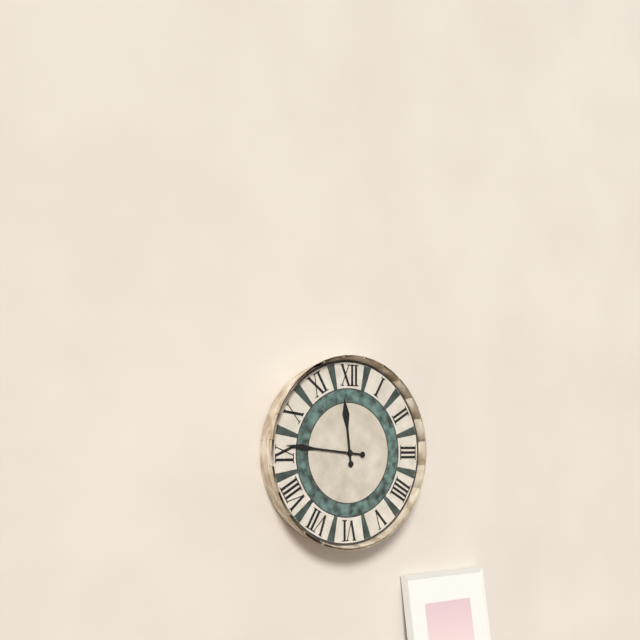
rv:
11 h 46 min
